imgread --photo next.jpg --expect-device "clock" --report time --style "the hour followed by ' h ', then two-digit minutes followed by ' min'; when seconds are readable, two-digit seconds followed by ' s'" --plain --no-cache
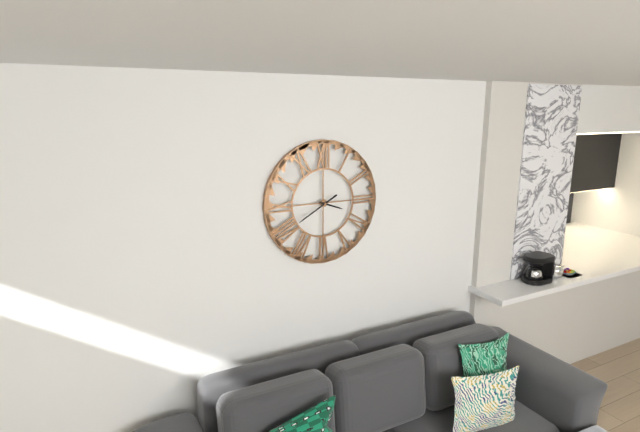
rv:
3 h 40 min
